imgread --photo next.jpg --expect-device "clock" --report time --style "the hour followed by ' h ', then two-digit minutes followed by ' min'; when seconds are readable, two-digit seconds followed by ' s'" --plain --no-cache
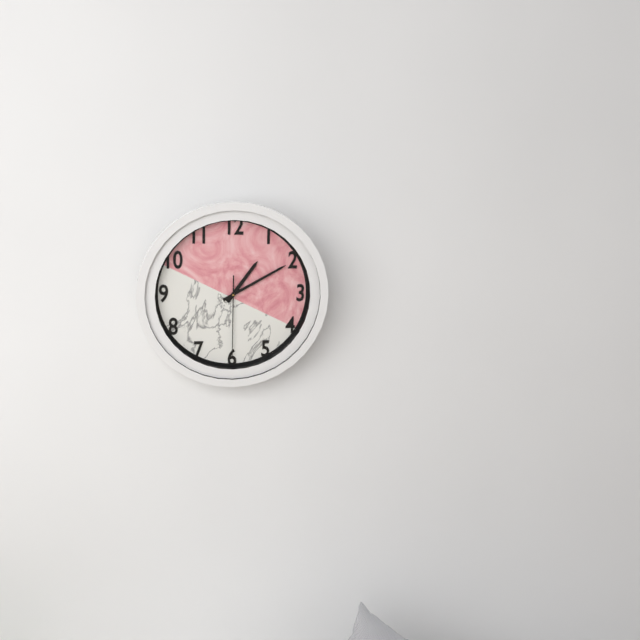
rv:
1 h 10 min 30 s
